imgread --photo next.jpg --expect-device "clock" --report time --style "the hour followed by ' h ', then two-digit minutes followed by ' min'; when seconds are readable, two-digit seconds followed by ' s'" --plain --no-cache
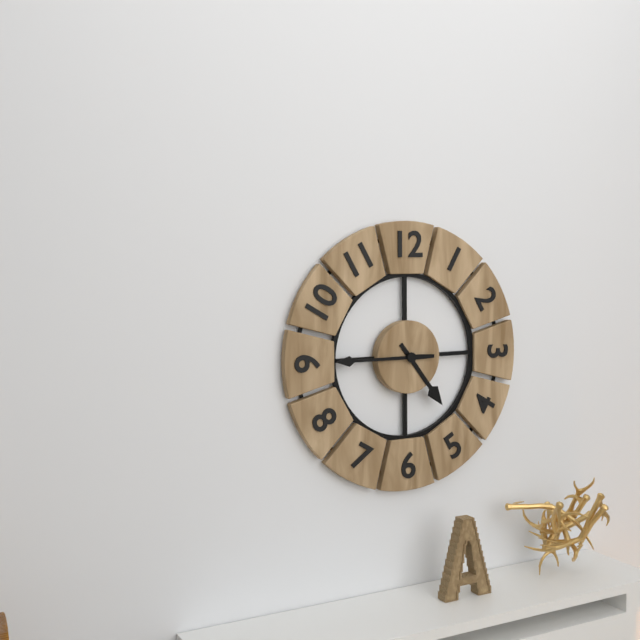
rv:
4 h 45 min
